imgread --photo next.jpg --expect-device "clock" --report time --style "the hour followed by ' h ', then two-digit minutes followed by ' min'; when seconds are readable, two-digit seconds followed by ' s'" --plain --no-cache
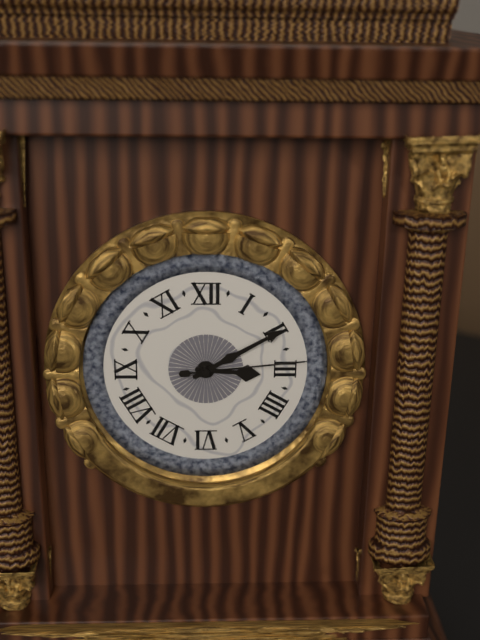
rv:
3 h 10 min 14 s
